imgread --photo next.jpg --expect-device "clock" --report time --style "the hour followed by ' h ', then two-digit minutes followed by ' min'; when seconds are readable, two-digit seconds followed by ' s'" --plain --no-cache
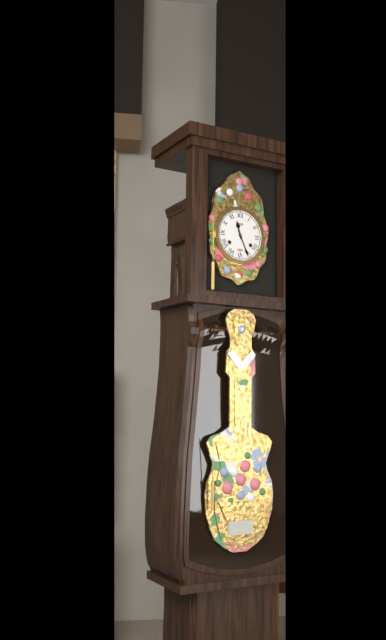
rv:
11 h 26 min
